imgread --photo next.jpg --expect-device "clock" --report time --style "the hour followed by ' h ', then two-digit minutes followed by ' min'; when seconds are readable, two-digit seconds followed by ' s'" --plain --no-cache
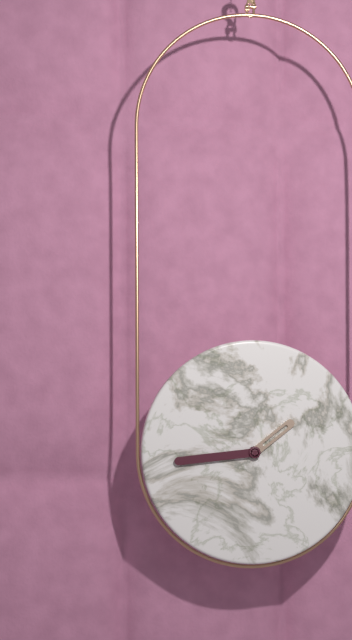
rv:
1 h 44 min
